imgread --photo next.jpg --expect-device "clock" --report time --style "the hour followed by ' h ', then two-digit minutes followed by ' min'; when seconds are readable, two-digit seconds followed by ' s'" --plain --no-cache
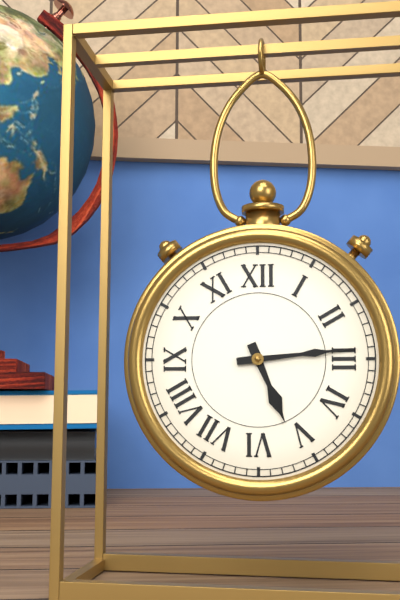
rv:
5 h 14 min
